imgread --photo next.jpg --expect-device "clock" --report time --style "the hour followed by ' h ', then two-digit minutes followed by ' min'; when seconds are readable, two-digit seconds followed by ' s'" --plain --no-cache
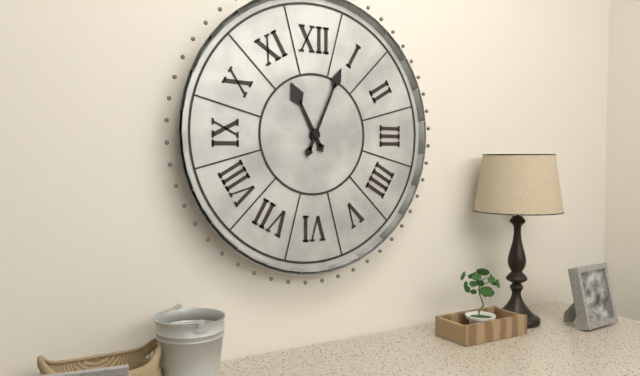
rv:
11 h 04 min
